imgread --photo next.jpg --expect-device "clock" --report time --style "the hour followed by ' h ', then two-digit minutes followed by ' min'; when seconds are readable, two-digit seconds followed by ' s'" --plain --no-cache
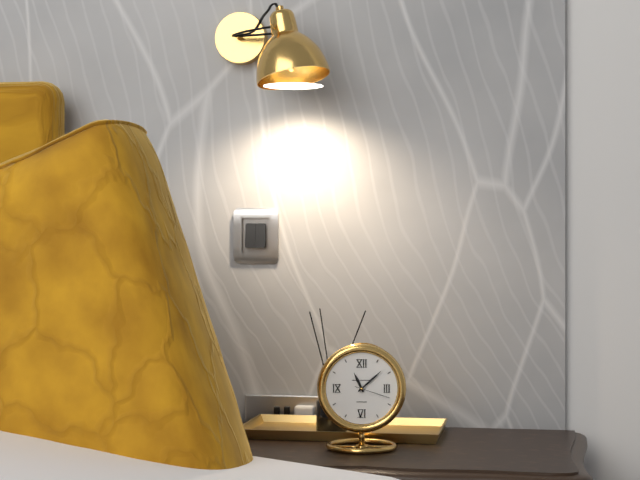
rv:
11 h 08 min
